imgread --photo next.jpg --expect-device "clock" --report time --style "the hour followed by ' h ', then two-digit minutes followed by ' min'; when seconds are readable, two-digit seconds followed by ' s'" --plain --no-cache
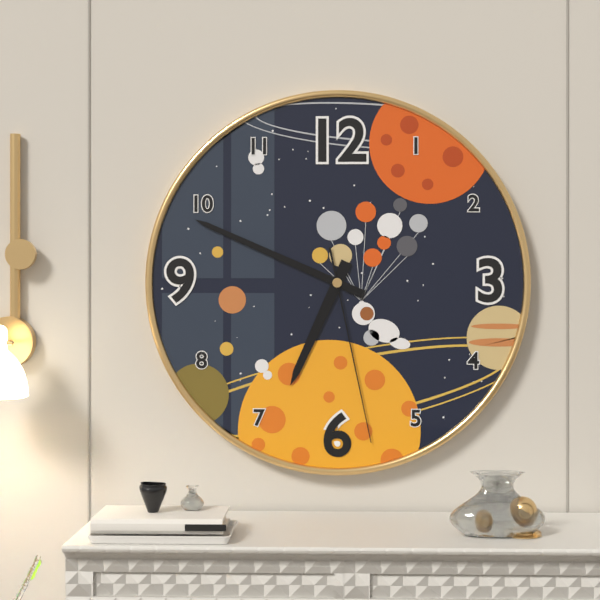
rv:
6 h 49 min 28 s
